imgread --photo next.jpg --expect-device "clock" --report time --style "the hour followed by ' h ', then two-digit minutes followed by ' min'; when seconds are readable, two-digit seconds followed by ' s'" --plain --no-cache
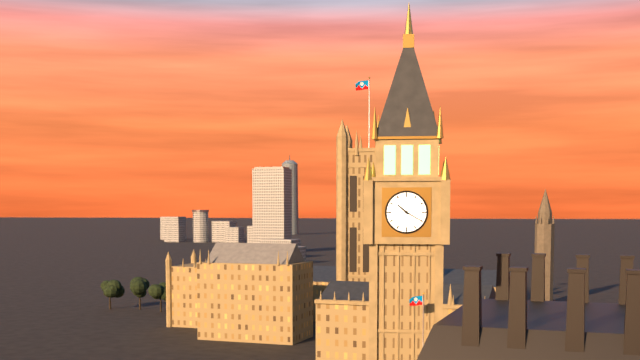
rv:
10 h 20 min
